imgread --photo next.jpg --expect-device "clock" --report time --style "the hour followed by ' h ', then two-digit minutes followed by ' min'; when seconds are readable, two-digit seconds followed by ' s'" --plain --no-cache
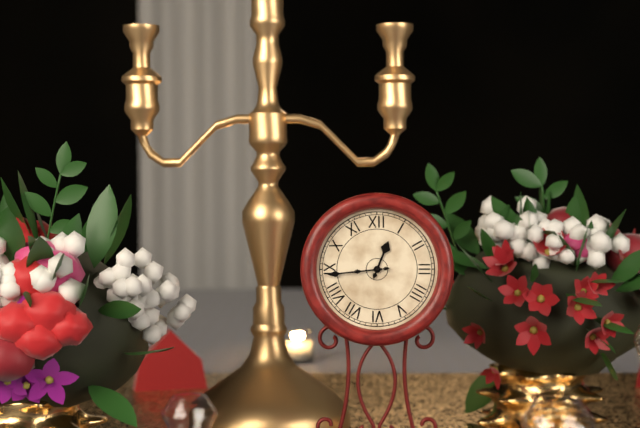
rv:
12 h 44 min
